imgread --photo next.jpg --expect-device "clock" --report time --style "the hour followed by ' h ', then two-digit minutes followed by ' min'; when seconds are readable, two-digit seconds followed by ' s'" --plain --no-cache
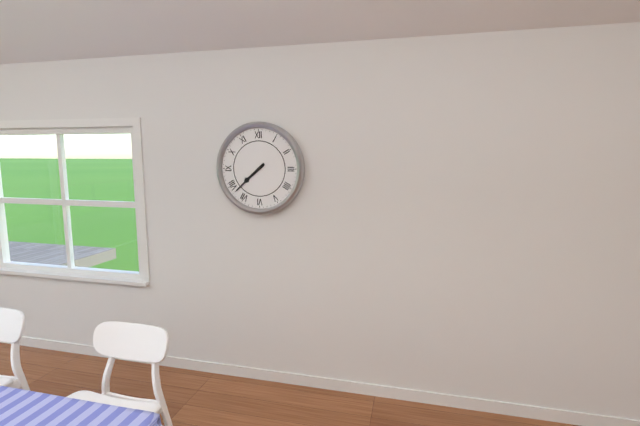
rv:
7 h 38 min
